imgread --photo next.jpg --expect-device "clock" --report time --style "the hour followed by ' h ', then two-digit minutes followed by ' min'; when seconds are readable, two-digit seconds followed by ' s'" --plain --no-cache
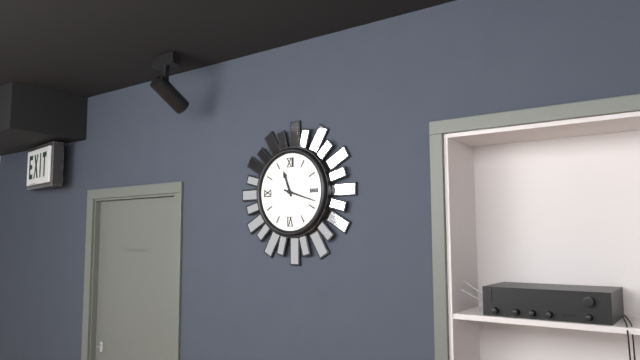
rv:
11 h 18 min
